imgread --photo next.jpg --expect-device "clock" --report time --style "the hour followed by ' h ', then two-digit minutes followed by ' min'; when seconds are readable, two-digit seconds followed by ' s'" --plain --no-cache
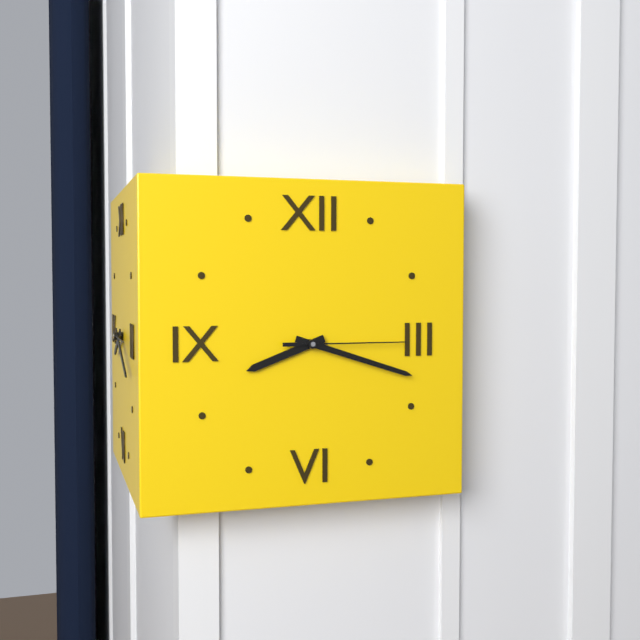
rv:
8 h 18 min 15 s
